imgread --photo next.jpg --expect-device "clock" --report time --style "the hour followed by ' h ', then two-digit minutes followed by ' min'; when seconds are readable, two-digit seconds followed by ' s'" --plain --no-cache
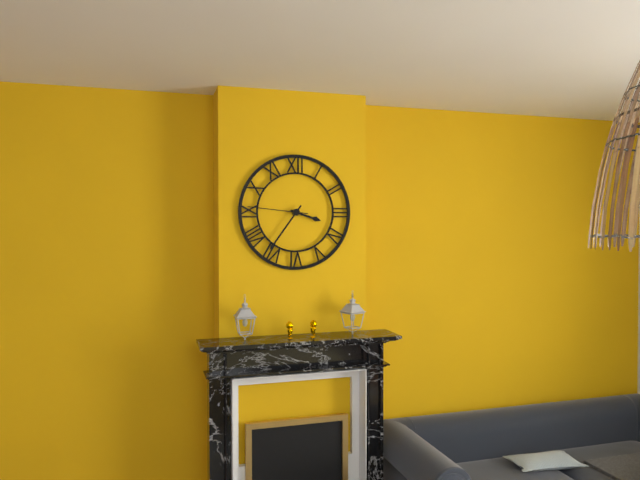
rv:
3 h 36 min 46 s
